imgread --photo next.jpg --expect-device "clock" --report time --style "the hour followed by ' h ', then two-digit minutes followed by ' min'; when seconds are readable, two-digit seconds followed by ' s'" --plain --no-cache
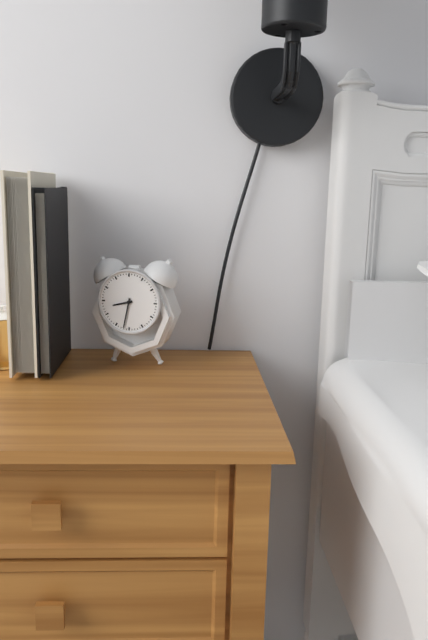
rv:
8 h 32 min
